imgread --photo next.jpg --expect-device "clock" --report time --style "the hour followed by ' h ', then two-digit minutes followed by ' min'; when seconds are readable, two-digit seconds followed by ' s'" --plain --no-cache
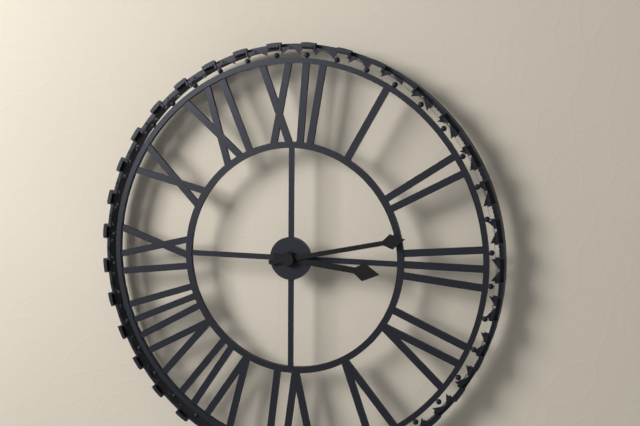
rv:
3 h 13 min
